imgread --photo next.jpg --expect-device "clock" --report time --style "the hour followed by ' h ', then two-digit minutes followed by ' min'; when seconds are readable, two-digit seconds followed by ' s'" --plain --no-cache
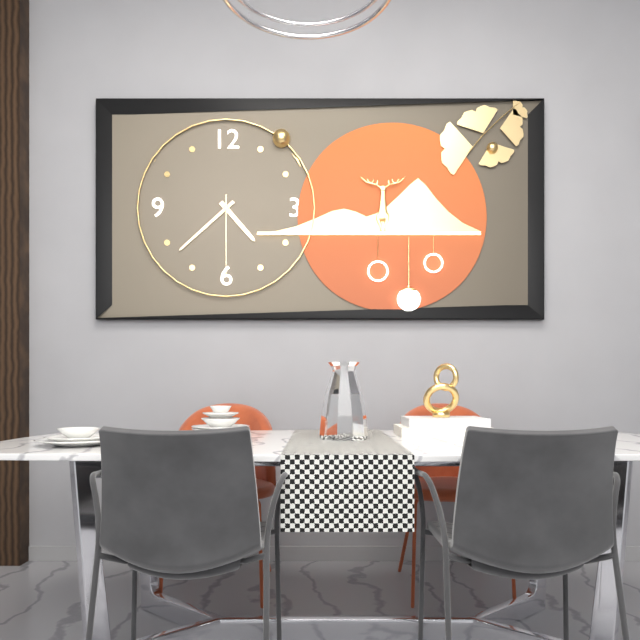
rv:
4 h 38 min 30 s
